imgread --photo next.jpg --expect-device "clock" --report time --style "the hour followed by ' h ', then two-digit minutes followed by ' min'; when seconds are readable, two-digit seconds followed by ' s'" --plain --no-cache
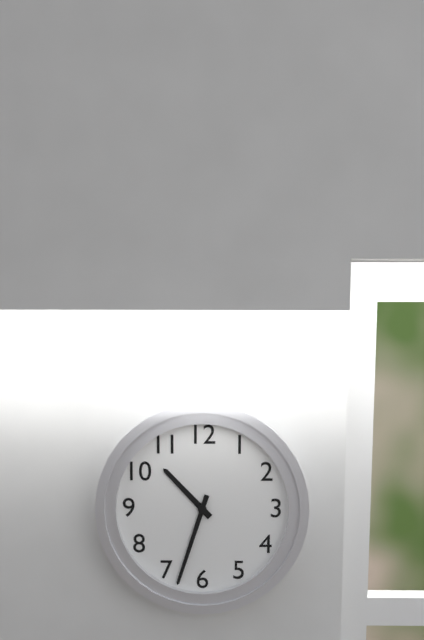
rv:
10 h 33 min
